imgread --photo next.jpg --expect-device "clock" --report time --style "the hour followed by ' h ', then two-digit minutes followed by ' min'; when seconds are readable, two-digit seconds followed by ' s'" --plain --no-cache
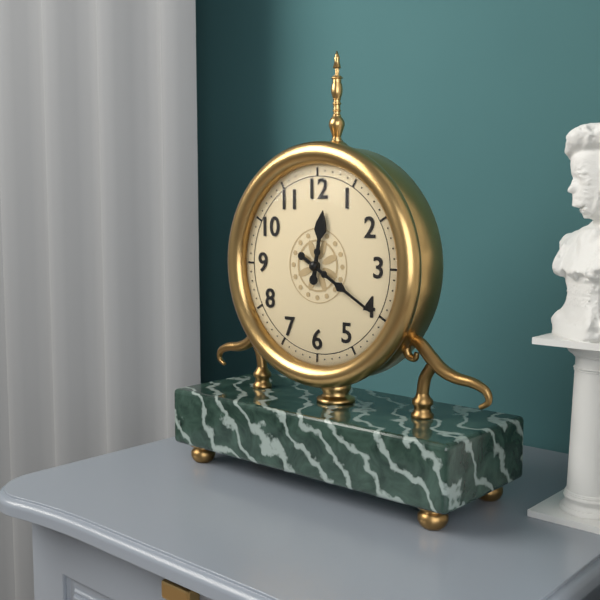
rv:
12 h 20 min
